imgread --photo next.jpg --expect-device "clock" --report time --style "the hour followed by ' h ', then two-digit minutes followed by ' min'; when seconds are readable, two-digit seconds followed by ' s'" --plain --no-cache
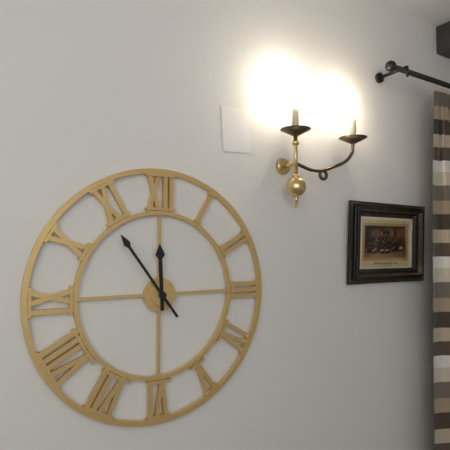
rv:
11 h 54 min
